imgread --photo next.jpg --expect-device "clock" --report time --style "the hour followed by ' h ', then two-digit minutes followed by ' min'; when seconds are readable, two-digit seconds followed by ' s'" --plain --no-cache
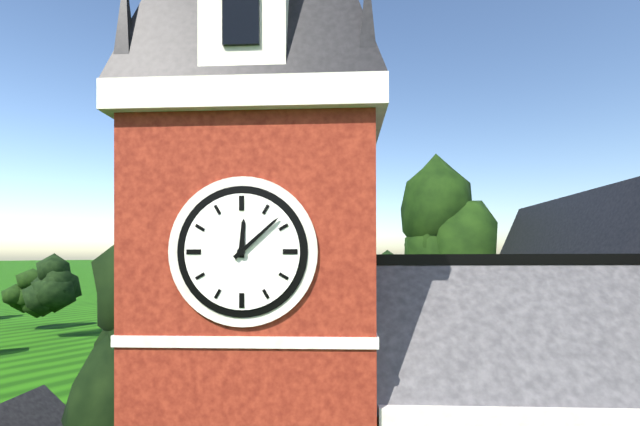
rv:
12 h 08 min
